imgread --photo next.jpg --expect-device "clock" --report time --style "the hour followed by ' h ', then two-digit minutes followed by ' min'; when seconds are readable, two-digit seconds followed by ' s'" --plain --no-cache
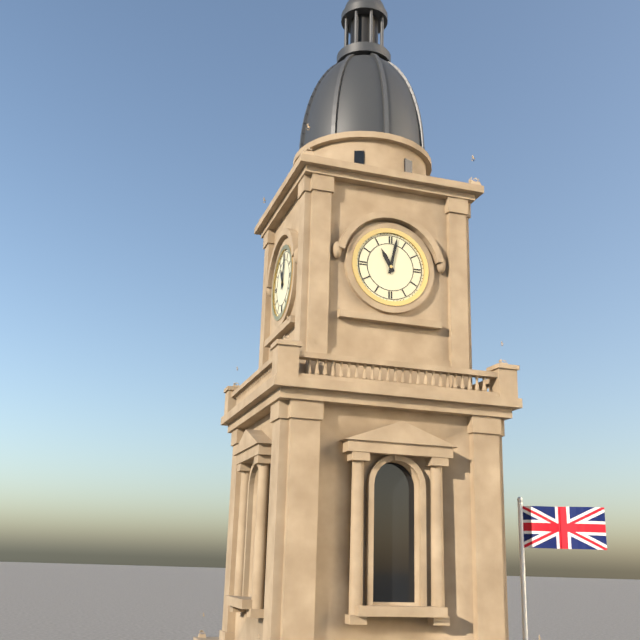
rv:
11 h 02 min
